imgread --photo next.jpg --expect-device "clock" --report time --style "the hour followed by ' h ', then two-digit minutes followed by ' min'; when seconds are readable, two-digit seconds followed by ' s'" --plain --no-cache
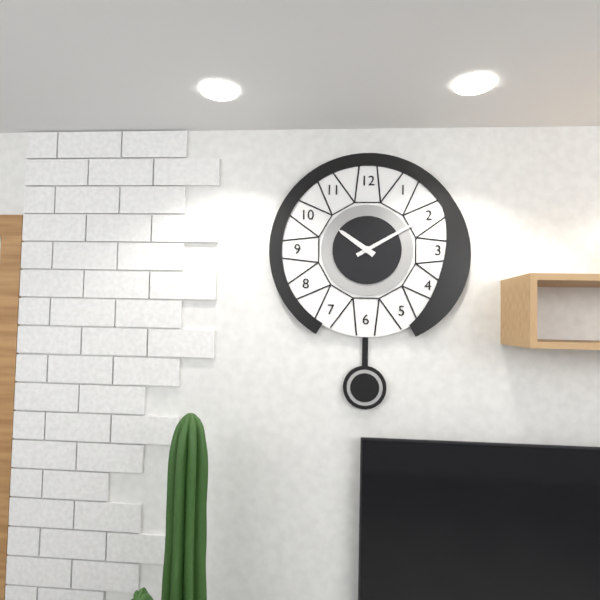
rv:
10 h 10 min
